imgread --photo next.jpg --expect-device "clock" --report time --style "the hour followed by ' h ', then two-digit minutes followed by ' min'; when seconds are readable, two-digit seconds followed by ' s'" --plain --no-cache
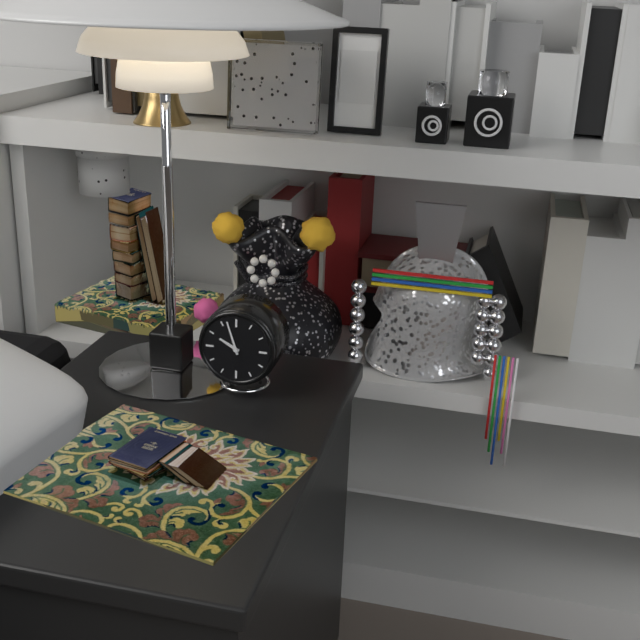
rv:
9 h 57 min
